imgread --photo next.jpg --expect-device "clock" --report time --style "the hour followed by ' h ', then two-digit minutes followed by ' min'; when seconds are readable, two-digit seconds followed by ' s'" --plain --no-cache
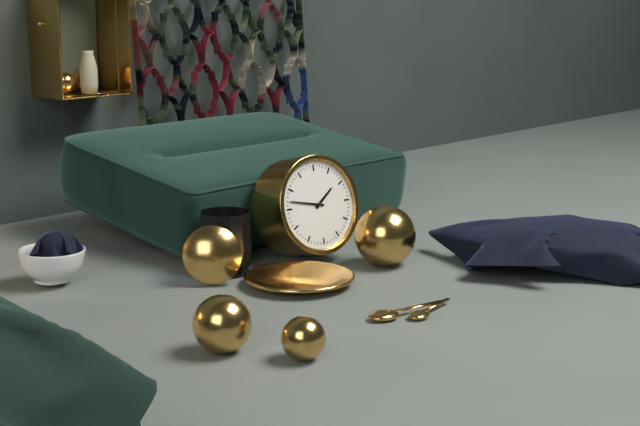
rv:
1 h 47 min
